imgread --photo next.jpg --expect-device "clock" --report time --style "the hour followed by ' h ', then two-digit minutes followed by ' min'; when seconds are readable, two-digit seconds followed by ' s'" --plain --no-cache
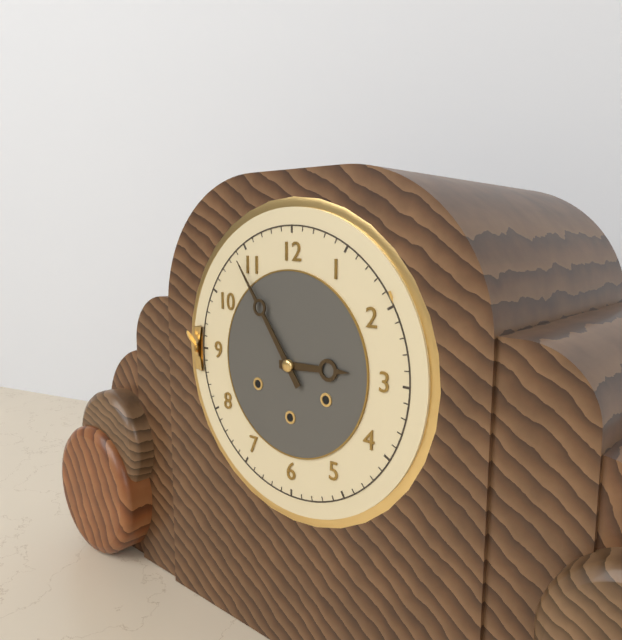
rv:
2 h 54 min
